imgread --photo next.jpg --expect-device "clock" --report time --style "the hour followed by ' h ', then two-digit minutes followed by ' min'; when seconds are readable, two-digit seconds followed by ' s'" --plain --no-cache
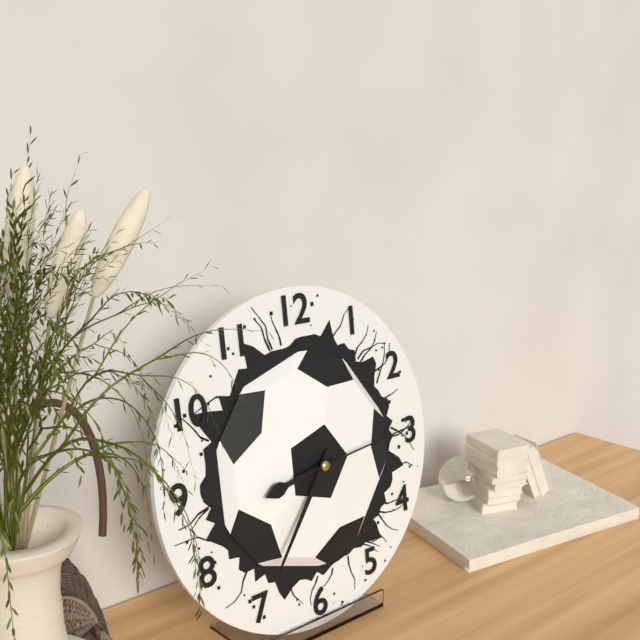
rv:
8 h 36 min 14 s
